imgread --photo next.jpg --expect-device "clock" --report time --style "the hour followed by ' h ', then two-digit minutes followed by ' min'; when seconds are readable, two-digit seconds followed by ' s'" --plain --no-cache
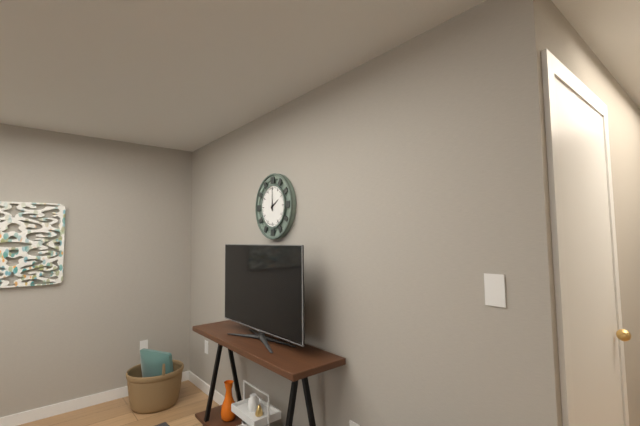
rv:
2 h 00 min
